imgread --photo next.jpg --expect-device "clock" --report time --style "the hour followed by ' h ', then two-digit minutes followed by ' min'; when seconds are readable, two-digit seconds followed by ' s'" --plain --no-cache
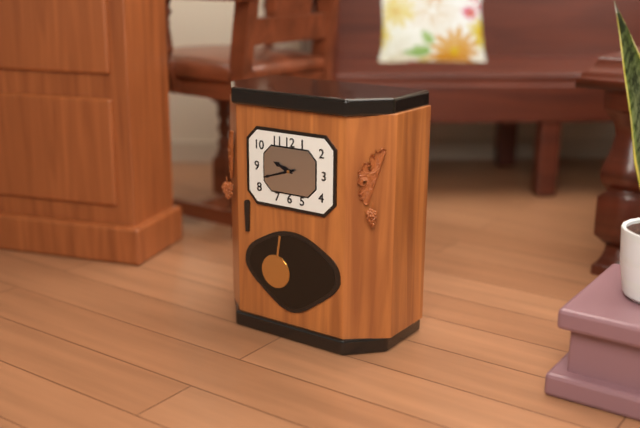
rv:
9 h 42 min
